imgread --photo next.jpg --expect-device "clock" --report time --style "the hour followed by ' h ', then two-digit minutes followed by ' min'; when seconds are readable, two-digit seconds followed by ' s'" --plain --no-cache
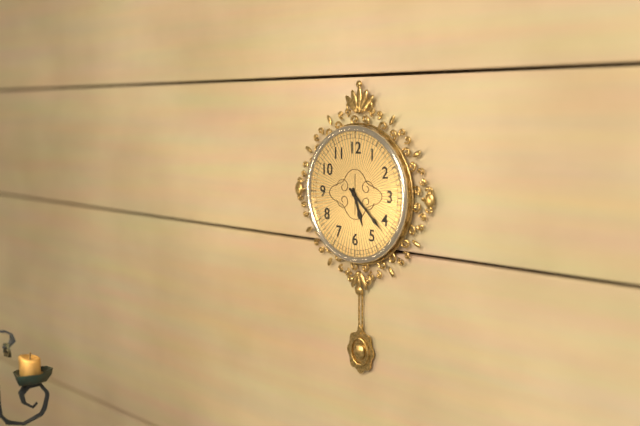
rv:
5 h 22 min
